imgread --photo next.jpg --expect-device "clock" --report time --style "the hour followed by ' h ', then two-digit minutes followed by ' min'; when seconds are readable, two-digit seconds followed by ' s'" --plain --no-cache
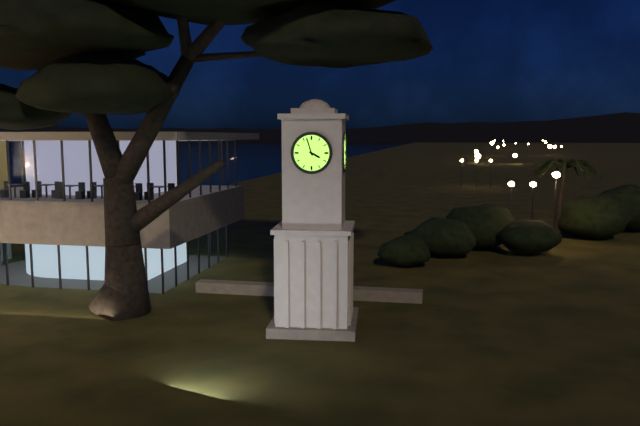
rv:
3 h 57 min
